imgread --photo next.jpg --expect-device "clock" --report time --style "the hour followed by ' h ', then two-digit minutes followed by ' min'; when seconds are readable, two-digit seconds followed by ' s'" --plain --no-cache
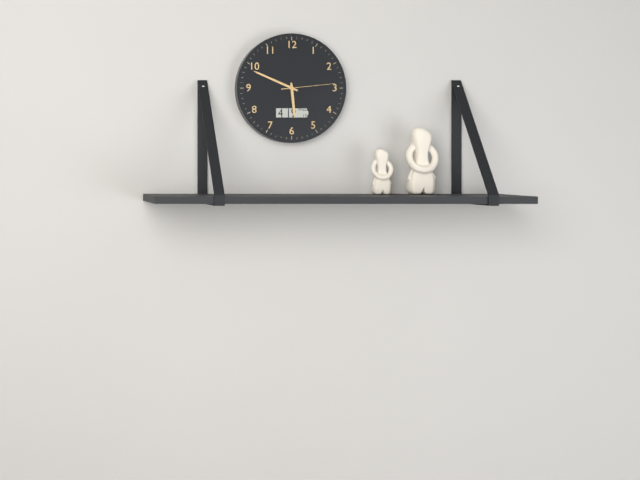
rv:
5 h 49 min 14 s
